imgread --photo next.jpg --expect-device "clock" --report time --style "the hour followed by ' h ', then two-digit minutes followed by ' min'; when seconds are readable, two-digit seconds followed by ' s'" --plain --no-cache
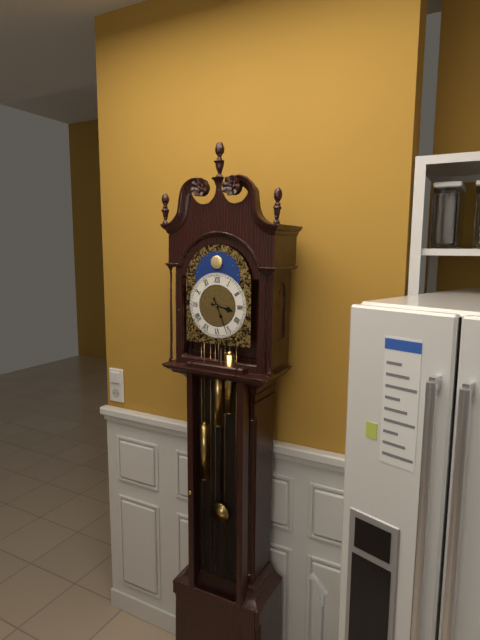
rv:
3 h 26 min
